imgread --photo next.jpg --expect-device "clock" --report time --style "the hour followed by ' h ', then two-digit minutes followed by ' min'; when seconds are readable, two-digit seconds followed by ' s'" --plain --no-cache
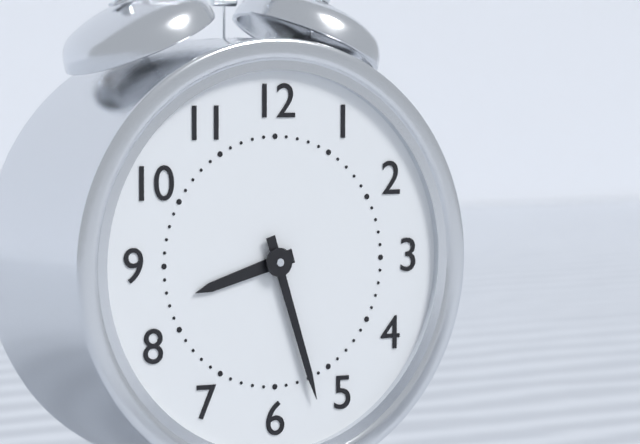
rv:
8 h 27 min
